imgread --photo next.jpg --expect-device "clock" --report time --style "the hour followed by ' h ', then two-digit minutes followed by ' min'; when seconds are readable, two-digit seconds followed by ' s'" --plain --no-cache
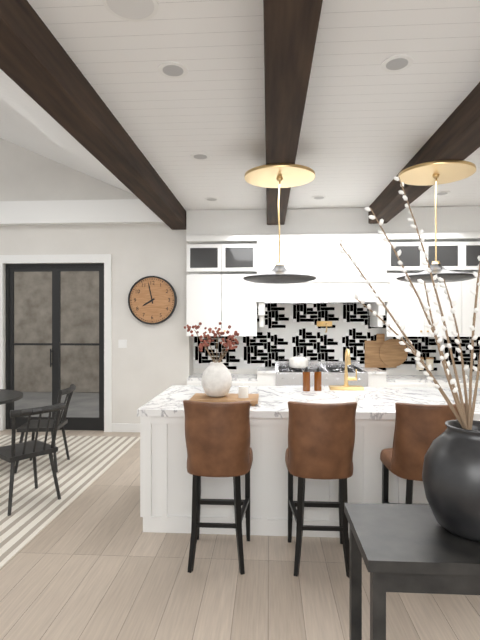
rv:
7 h 58 min
